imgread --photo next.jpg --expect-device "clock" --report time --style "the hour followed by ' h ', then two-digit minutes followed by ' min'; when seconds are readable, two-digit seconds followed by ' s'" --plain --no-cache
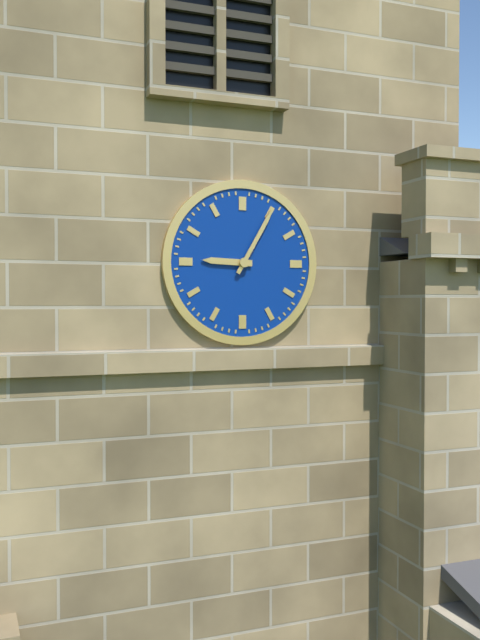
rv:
9 h 05 min
